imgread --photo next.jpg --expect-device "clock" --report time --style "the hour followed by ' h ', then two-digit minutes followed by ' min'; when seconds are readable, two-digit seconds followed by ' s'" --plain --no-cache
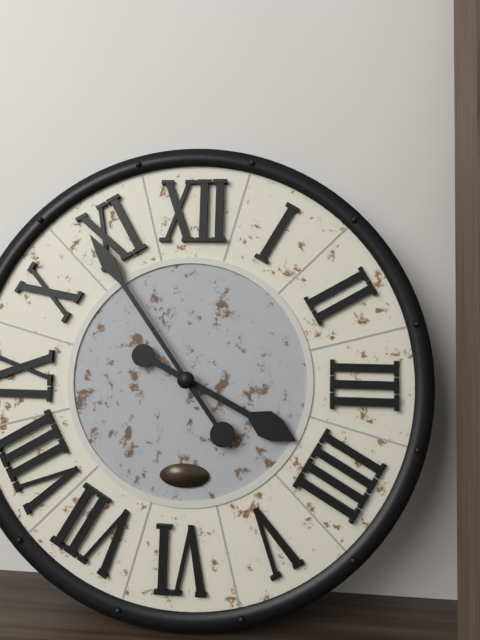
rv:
3 h 54 min
